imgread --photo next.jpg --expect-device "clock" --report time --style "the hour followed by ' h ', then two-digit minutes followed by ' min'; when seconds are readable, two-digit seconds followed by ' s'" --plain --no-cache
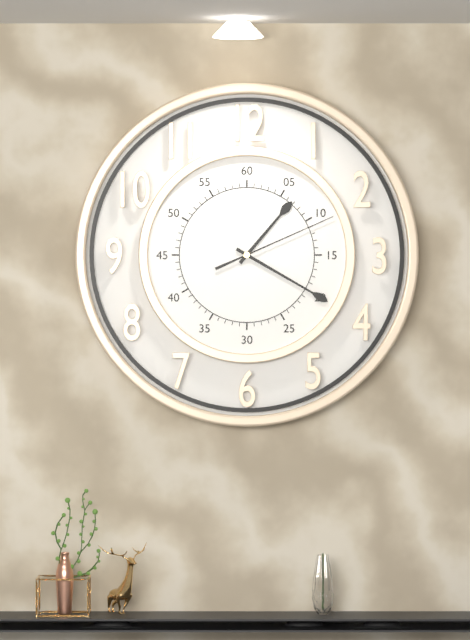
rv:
1 h 20 min 11 s
